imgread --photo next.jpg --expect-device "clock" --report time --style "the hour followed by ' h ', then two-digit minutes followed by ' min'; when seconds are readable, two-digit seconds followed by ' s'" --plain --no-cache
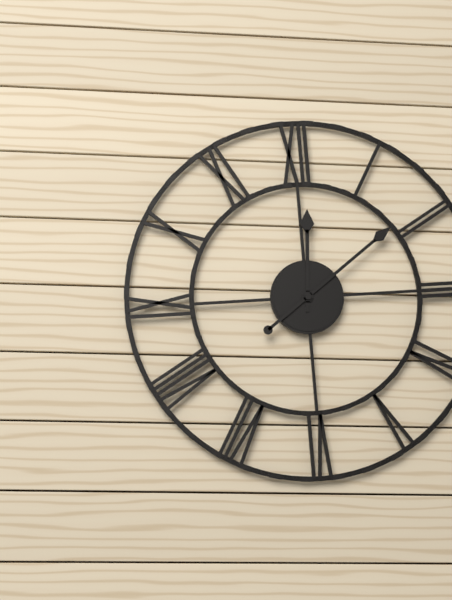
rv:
12 h 09 min
